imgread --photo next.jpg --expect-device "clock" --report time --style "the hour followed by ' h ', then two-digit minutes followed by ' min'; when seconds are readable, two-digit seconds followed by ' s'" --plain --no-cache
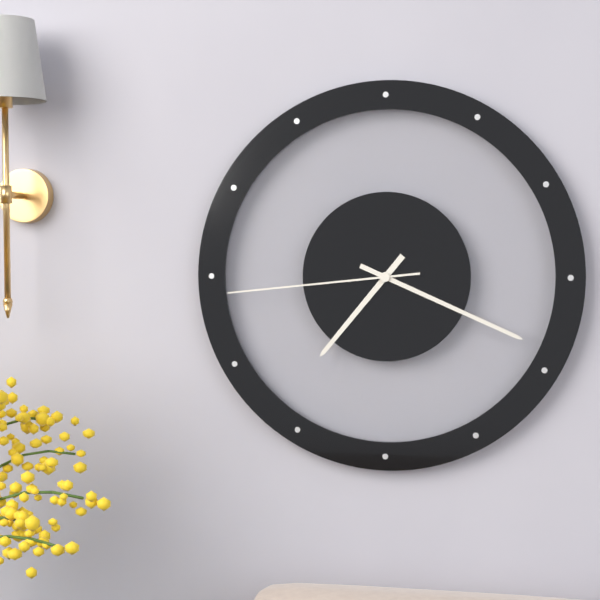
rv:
7 h 19 min 44 s
